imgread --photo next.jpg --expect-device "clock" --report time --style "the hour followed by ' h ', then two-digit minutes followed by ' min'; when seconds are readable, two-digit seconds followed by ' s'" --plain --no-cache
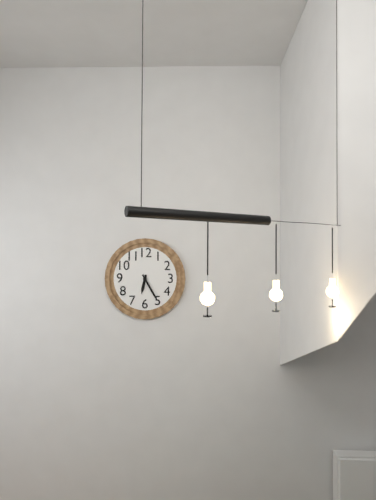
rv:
6 h 25 min
